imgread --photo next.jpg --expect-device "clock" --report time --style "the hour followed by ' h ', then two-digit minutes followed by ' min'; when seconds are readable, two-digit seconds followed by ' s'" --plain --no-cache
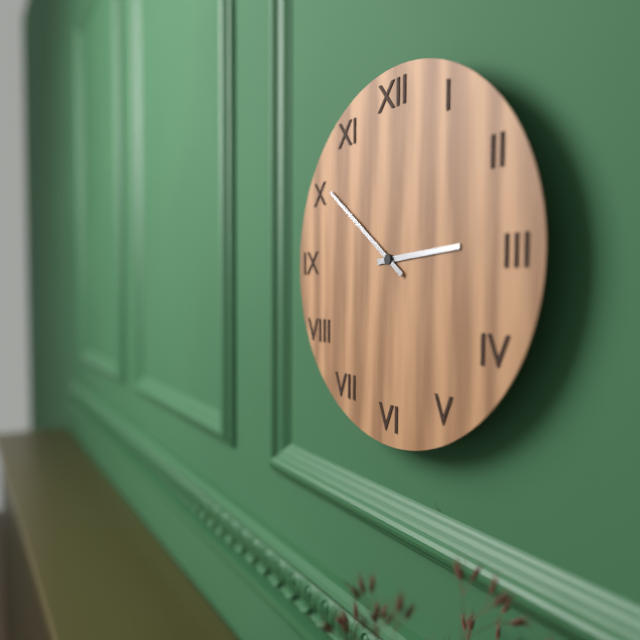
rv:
2 h 51 min
